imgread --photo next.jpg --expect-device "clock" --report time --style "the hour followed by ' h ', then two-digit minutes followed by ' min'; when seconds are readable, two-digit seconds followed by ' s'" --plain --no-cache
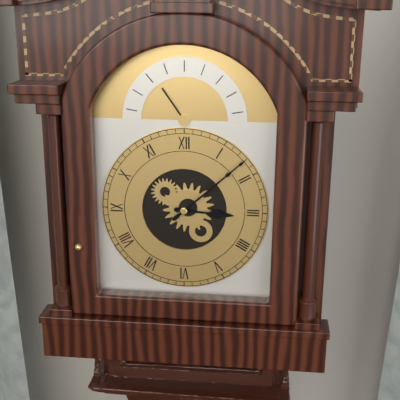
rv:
3 h 08 min
